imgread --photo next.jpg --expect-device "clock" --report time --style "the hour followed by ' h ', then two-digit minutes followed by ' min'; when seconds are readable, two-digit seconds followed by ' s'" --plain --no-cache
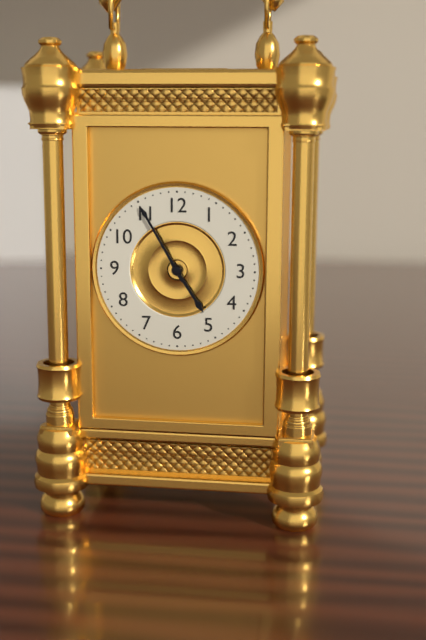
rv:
4 h 55 min
